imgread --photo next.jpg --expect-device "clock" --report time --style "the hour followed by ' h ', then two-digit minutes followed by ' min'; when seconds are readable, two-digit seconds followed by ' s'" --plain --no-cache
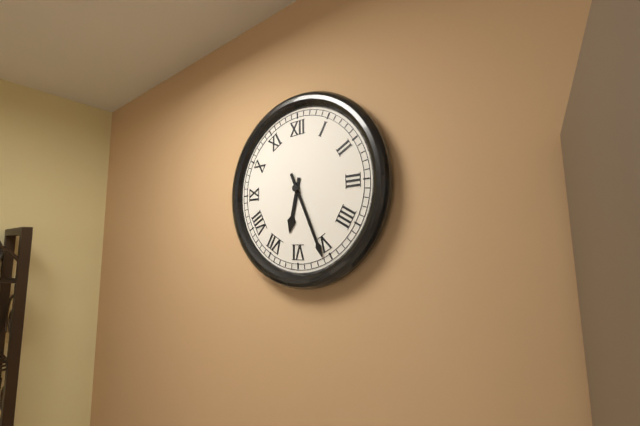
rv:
6 h 26 min
